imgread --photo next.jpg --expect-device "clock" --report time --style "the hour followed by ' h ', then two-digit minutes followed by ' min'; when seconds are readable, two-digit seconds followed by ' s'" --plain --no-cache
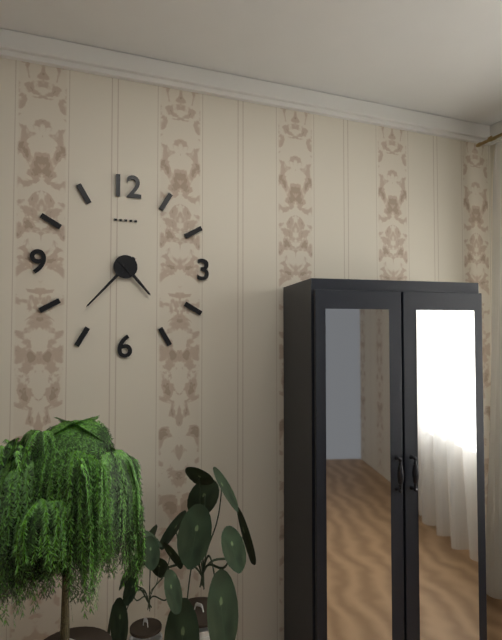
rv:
4 h 37 min
